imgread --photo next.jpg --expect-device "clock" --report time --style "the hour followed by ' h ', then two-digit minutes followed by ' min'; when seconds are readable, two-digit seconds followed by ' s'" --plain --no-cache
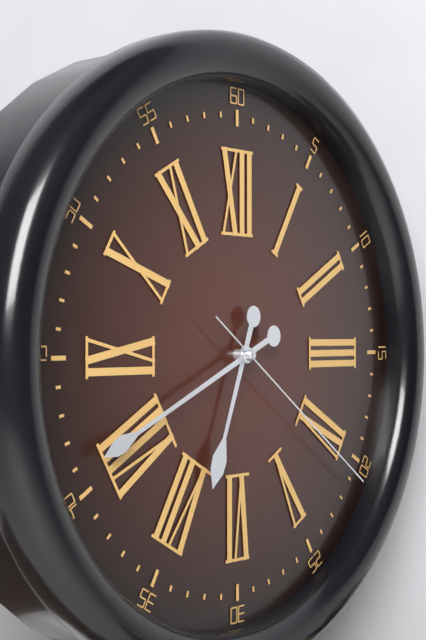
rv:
6 h 41 min 21 s
